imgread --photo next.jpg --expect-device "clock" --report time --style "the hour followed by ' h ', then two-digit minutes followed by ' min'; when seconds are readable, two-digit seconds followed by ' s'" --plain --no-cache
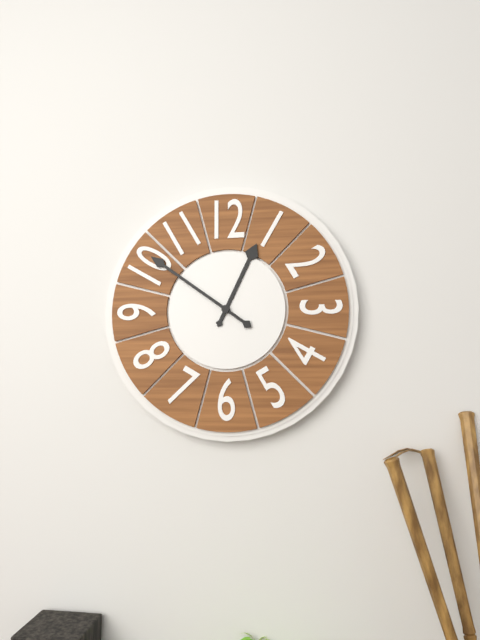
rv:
12 h 51 min
